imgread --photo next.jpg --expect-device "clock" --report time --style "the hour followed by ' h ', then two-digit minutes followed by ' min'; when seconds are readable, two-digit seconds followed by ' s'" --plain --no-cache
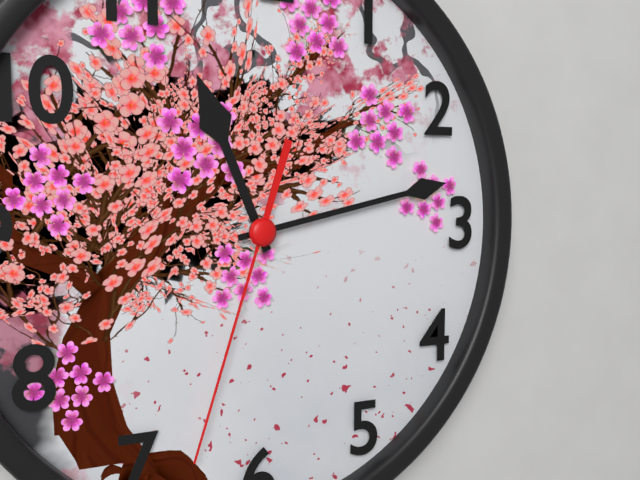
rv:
11 h 13 min 33 s
